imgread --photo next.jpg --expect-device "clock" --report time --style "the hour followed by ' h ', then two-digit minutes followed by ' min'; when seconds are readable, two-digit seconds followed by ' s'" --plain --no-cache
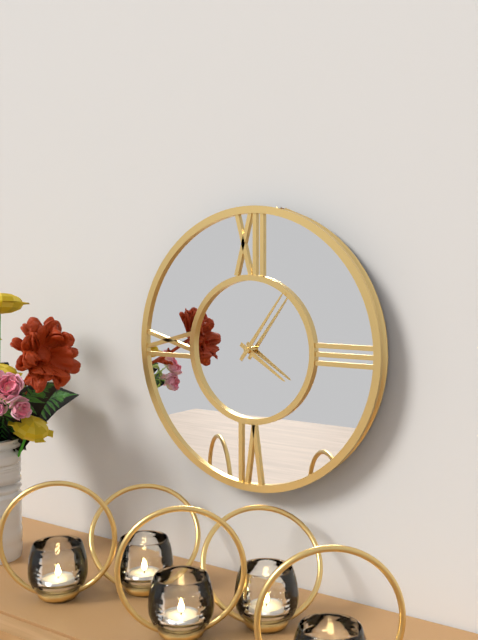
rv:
4 h 06 min
